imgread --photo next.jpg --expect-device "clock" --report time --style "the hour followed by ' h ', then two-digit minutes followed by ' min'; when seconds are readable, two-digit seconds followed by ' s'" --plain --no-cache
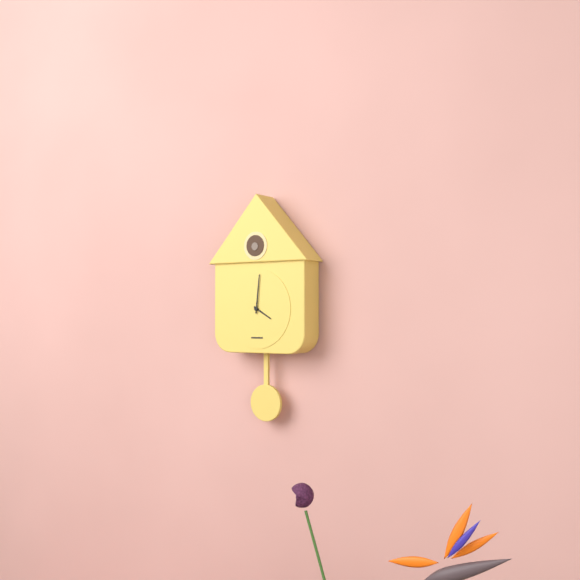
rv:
4 h 01 min
